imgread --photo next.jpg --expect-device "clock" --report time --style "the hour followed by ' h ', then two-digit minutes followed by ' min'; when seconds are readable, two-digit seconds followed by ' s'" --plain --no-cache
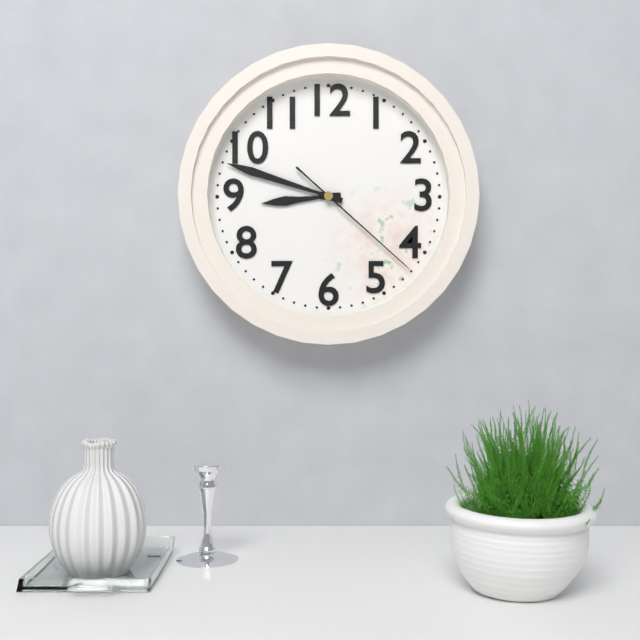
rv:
8 h 48 min 22 s
